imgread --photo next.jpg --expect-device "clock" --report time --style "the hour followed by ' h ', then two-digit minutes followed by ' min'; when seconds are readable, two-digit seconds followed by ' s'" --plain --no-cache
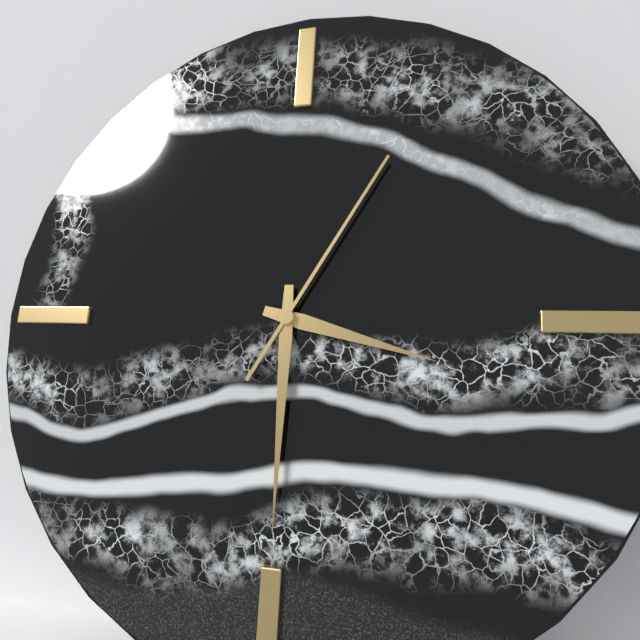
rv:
3 h 30 min 05 s
